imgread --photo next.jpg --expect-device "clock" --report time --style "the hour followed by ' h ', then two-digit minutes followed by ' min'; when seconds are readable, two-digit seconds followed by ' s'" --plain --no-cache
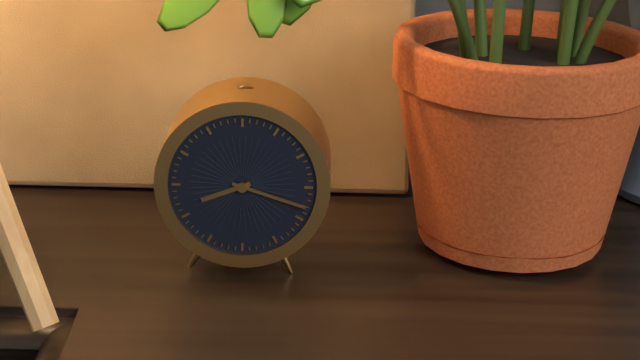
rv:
8 h 18 min
